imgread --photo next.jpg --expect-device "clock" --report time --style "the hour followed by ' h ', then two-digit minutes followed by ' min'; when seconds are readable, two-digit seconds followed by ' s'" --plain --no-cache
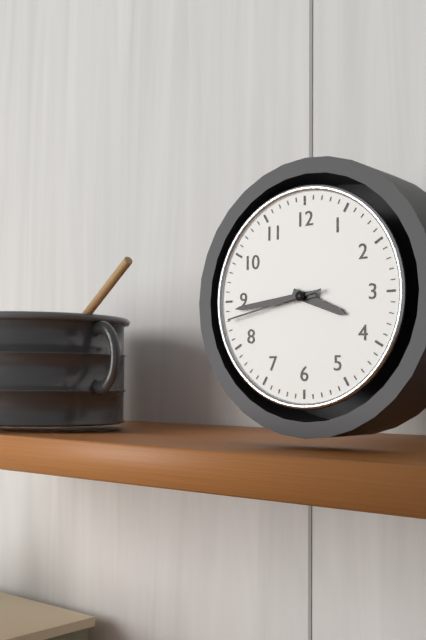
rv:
3 h 44 min 43 s
